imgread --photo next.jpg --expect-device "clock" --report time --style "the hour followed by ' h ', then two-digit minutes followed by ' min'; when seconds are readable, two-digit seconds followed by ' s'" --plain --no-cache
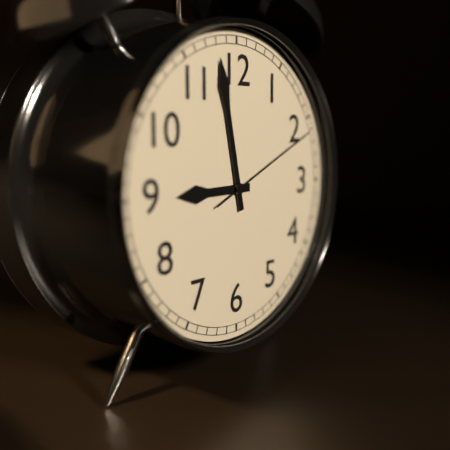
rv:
8 h 58 min 11 s
